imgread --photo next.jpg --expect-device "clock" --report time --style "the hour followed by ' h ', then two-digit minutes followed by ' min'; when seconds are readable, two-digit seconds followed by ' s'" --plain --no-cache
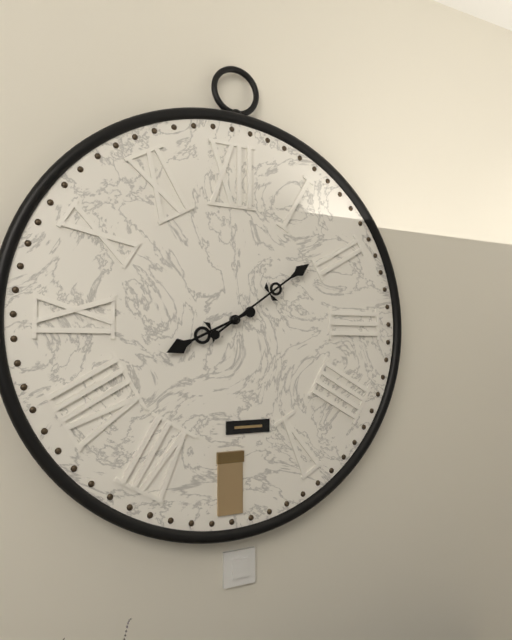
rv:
8 h 09 min
